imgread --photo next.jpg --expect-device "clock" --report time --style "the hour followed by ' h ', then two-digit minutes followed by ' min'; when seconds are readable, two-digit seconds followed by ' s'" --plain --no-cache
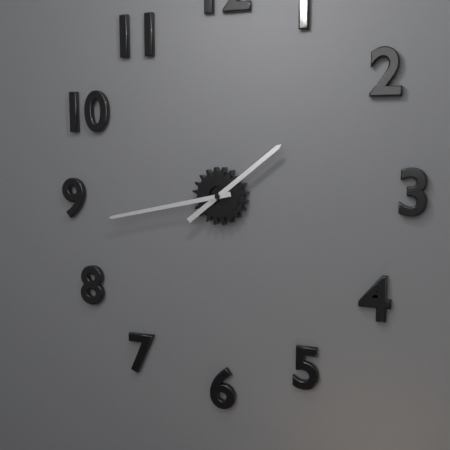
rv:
1 h 43 min
